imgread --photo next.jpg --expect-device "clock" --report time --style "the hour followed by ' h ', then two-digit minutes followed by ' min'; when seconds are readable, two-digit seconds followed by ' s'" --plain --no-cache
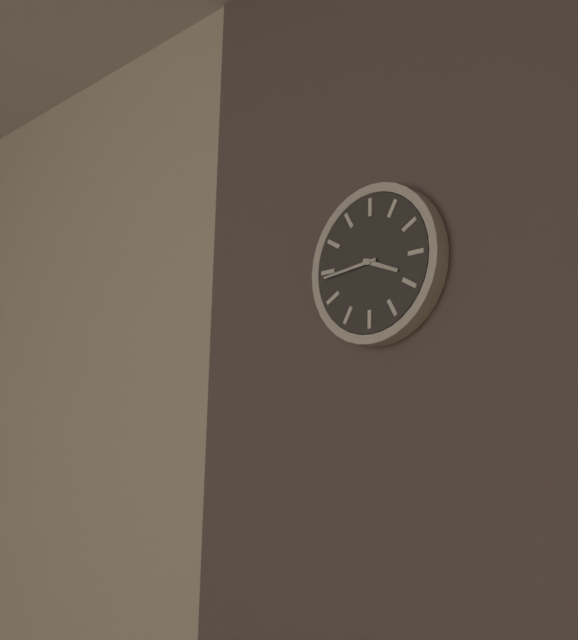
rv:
3 h 44 min
